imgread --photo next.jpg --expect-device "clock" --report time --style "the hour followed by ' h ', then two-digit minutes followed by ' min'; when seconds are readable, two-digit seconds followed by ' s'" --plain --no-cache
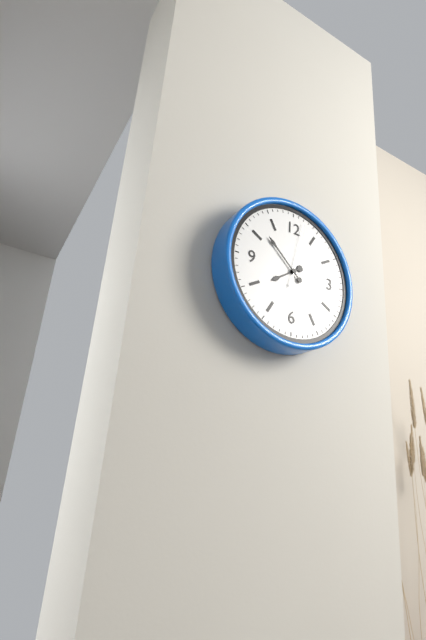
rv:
7 h 52 min 02 s
